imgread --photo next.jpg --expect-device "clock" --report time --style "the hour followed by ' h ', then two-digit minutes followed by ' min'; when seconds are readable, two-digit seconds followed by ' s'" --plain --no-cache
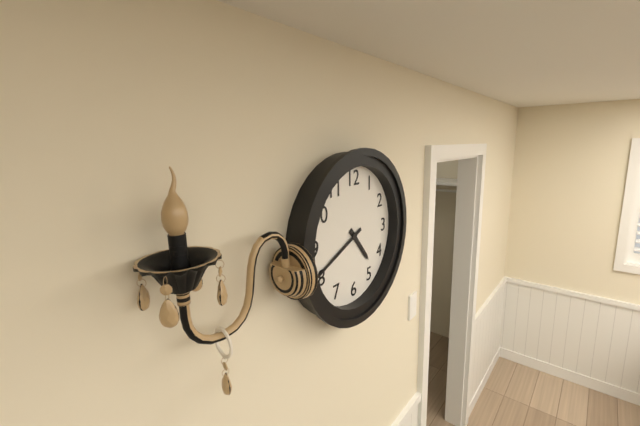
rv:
4 h 41 min
